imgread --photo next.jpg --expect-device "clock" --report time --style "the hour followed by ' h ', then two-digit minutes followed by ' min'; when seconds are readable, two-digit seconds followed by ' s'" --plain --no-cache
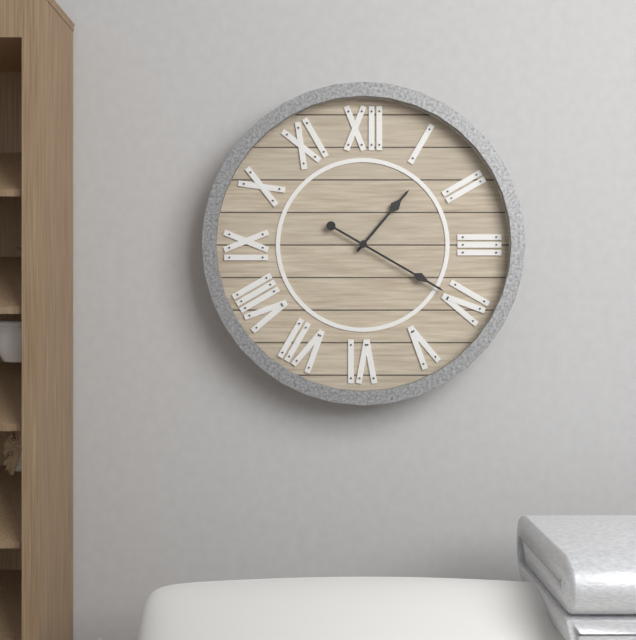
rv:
1 h 20 min
